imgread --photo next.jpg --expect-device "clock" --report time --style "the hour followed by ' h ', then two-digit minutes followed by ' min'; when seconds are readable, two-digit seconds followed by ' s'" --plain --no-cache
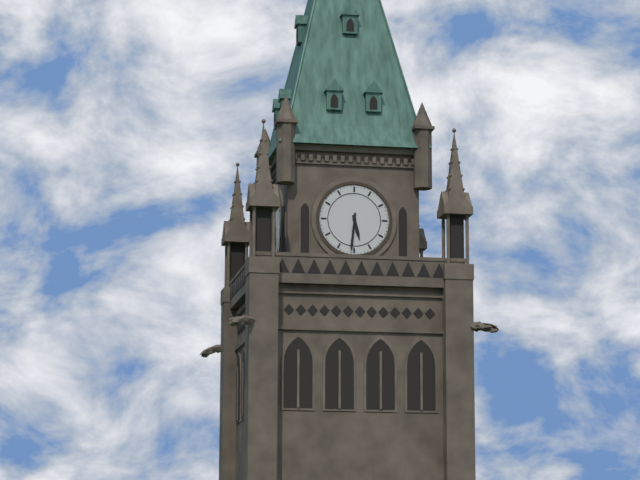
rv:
5 h 31 min
